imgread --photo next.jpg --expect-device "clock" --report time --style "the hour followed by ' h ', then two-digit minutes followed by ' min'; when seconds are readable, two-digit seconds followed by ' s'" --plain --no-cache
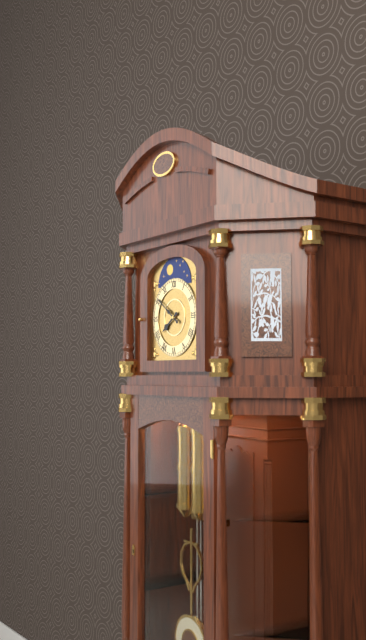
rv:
7 h 51 min
